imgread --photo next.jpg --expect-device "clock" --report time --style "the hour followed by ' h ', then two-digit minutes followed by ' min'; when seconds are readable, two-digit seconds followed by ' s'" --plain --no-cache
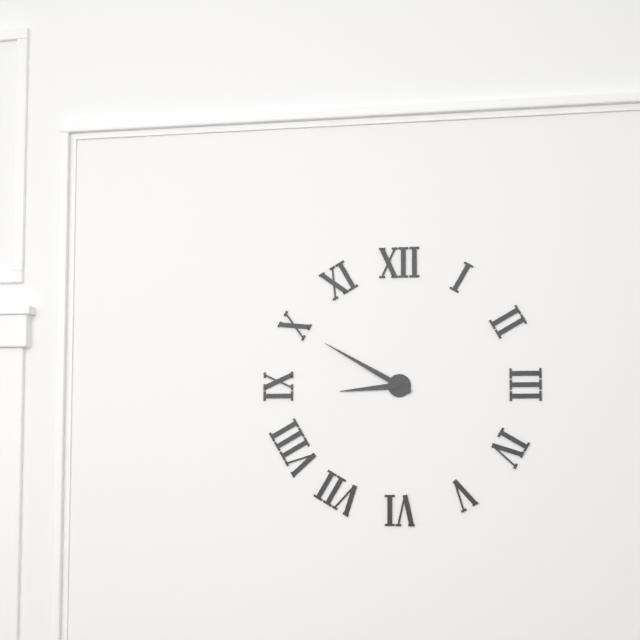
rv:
8 h 50 min
